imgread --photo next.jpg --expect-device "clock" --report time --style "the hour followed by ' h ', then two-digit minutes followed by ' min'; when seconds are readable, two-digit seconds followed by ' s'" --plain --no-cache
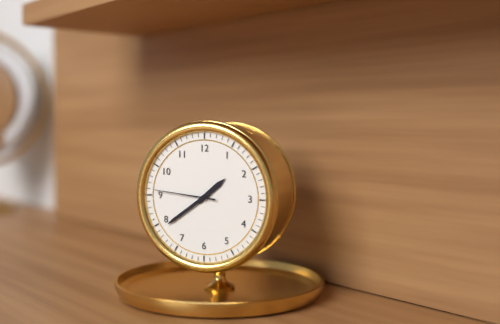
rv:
1 h 39 min 46 s
